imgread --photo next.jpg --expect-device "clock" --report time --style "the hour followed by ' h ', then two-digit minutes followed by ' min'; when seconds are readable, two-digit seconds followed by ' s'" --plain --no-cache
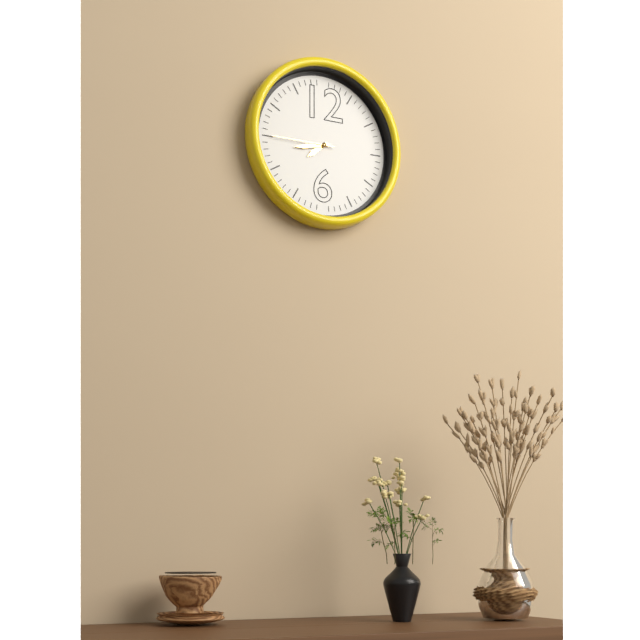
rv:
7 h 43 min 45 s
